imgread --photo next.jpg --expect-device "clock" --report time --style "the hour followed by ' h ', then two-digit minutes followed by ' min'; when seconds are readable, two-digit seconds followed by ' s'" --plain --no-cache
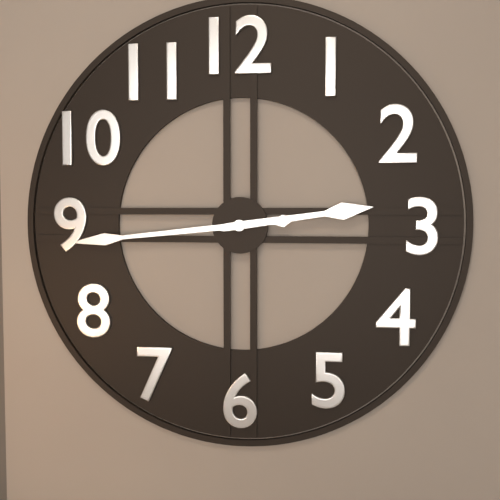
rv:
2 h 44 min
